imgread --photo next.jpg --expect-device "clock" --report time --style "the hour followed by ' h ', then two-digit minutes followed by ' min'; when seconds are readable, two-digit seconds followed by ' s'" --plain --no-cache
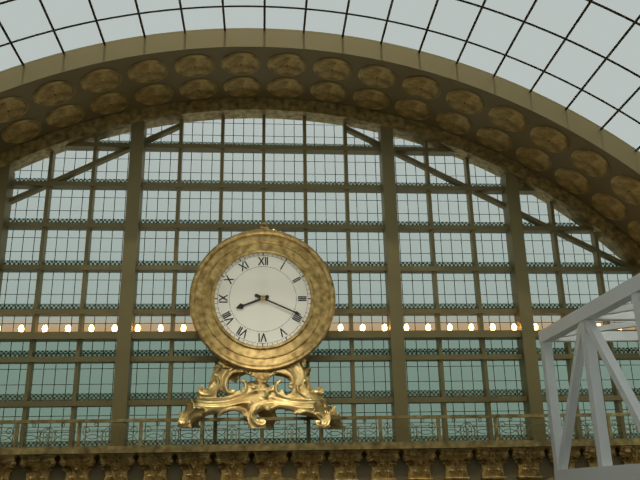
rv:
8 h 19 min
